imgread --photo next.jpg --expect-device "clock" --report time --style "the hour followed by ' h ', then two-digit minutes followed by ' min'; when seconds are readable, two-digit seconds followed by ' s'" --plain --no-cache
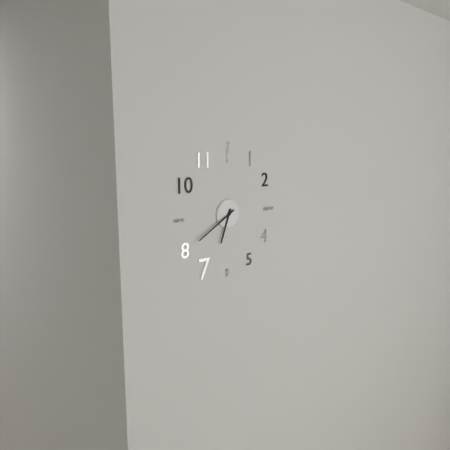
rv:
6 h 40 min
